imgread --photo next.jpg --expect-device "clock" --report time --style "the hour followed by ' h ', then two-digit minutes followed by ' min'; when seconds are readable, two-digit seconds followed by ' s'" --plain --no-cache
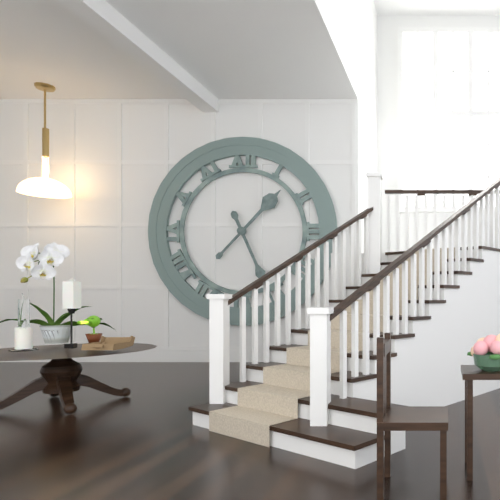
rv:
1 h 26 min
